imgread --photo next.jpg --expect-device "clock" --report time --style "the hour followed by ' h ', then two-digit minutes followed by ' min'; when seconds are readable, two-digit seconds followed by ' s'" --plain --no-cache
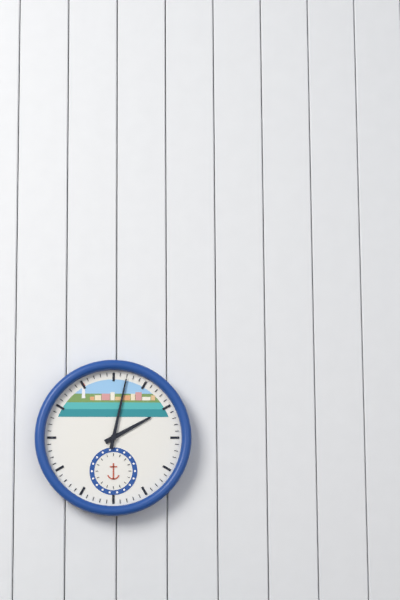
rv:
2 h 02 min
